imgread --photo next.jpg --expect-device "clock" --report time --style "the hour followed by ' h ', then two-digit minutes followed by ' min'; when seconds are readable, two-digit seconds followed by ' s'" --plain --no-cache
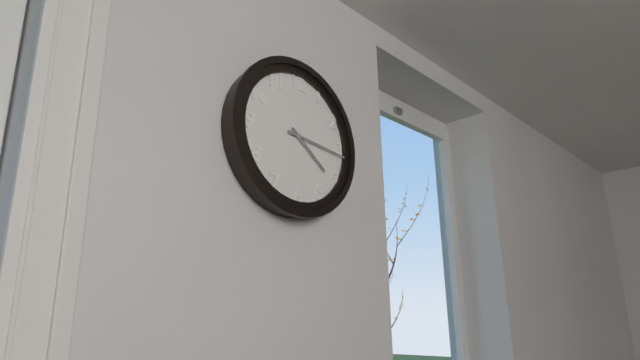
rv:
4 h 16 min
